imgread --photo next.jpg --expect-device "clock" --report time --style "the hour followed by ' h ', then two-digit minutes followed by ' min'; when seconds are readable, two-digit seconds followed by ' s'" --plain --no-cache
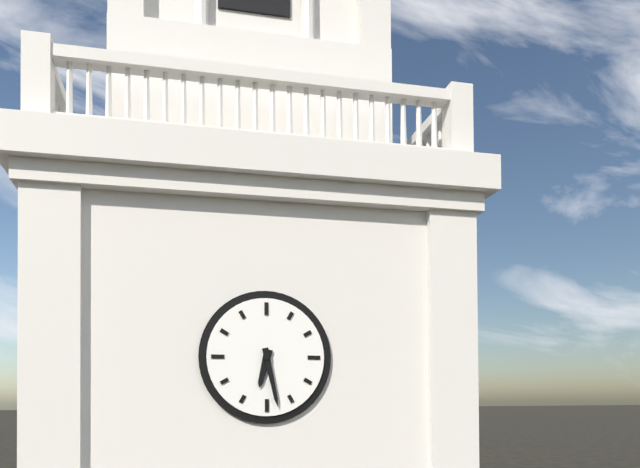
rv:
6 h 28 min
